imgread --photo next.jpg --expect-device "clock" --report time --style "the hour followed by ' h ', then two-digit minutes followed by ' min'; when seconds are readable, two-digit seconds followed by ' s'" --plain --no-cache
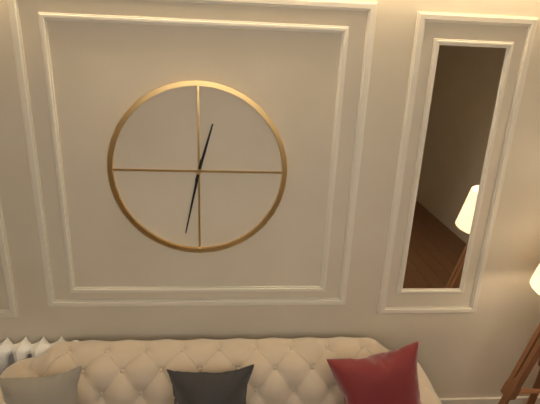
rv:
12 h 32 min
